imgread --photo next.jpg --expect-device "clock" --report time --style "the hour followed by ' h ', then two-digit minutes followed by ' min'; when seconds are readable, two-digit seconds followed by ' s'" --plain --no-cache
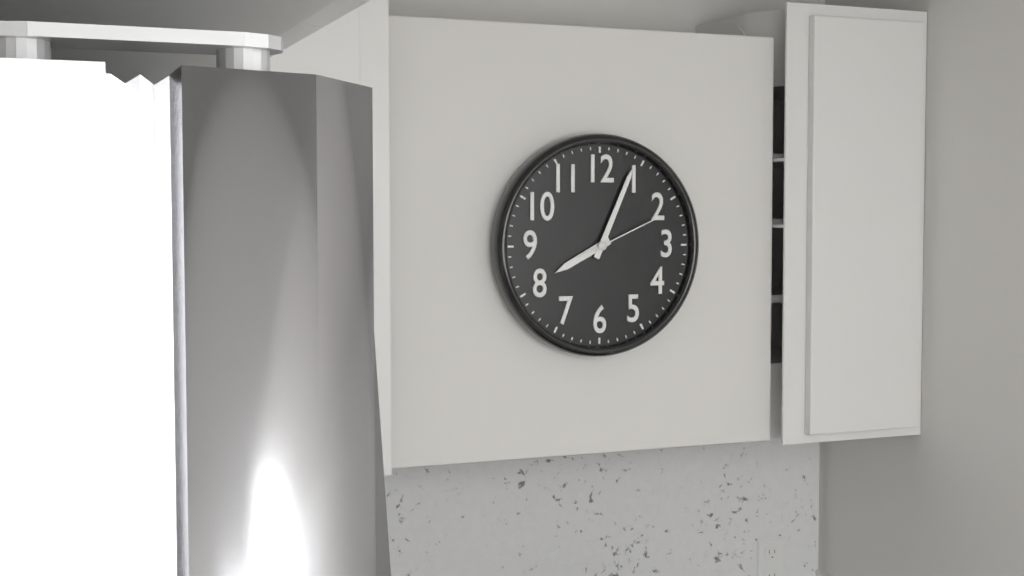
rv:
8 h 04 min 11 s
